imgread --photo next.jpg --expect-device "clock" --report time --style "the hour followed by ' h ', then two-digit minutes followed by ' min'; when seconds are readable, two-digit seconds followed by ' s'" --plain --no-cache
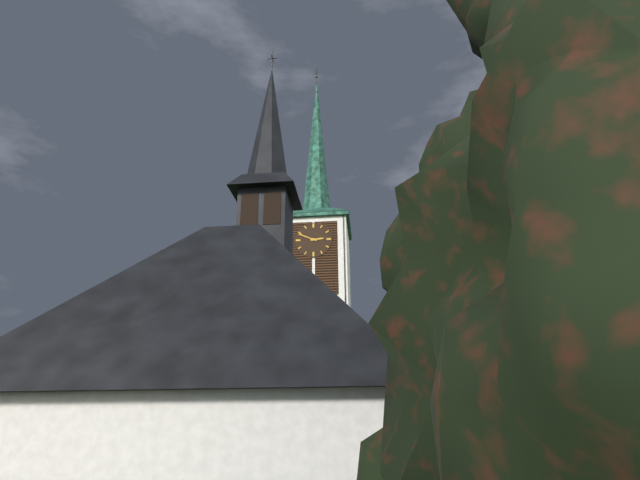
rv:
2 h 49 min
